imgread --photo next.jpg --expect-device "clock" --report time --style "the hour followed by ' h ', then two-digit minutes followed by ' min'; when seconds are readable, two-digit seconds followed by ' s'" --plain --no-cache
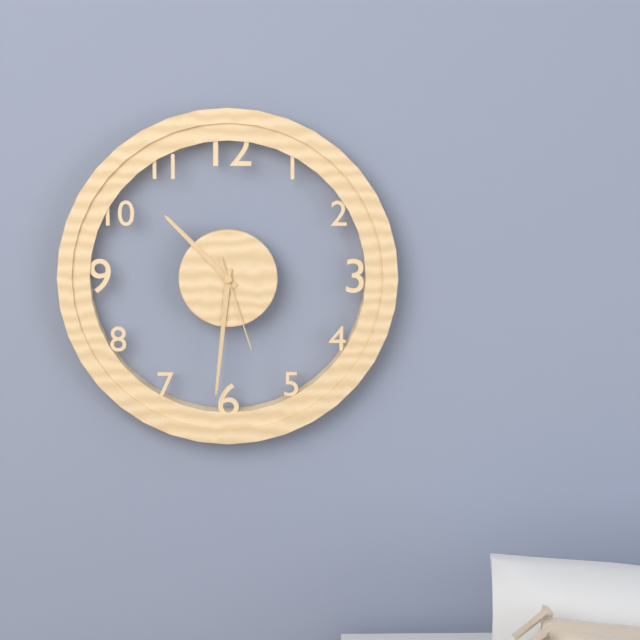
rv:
10 h 31 min 27 s
